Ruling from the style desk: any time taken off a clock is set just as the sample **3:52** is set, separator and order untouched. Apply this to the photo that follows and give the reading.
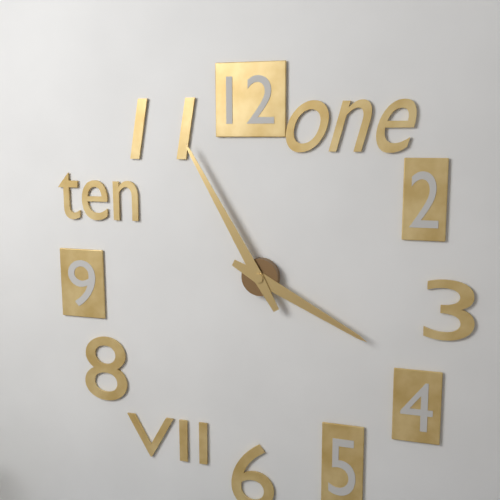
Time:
**3:55**
